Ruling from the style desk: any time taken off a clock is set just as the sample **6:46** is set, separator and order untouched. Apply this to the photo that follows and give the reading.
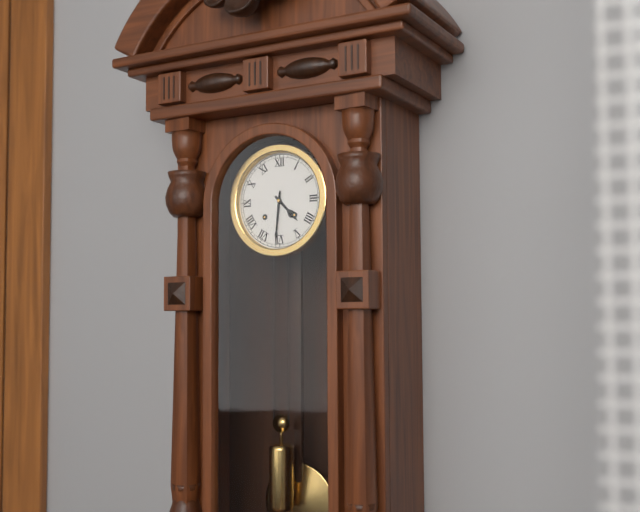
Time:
**4:31**
